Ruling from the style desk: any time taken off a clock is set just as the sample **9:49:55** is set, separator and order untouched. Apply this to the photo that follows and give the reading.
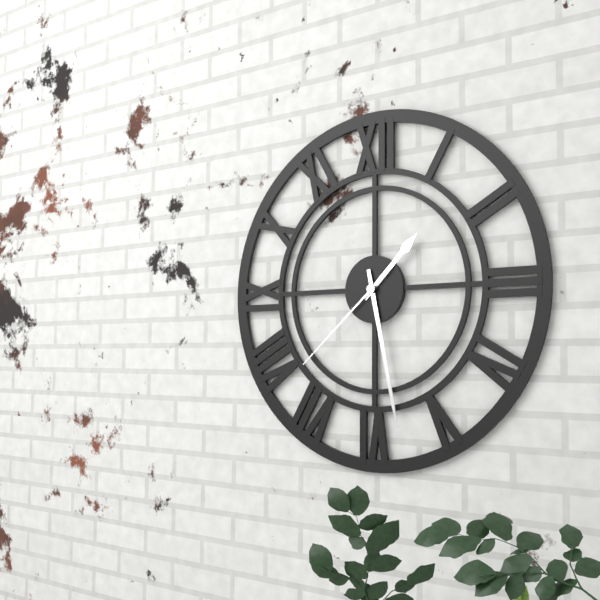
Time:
**1:28:38**
